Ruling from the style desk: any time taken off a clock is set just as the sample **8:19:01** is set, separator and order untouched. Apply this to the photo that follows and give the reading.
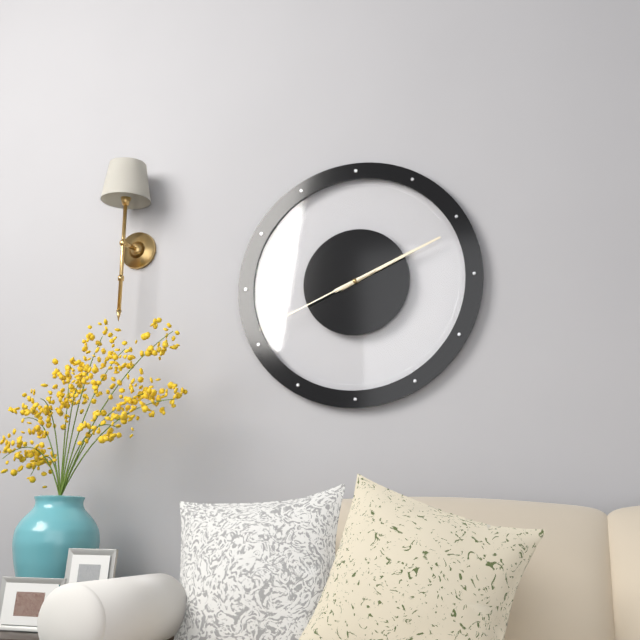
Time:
**2:11:41**
